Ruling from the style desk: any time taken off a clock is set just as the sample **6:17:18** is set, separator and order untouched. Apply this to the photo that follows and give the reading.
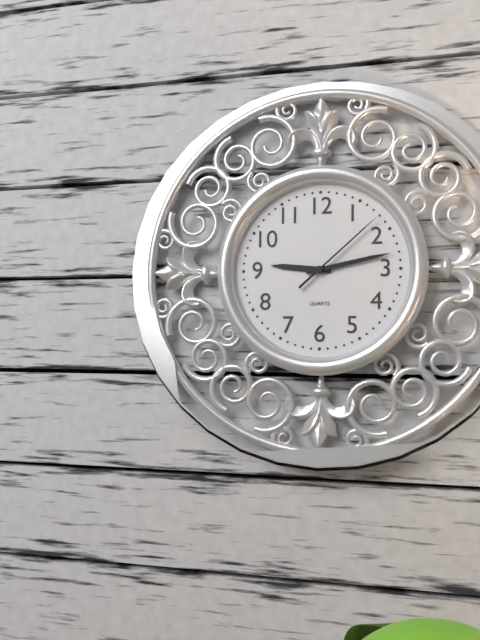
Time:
**9:13:08**
